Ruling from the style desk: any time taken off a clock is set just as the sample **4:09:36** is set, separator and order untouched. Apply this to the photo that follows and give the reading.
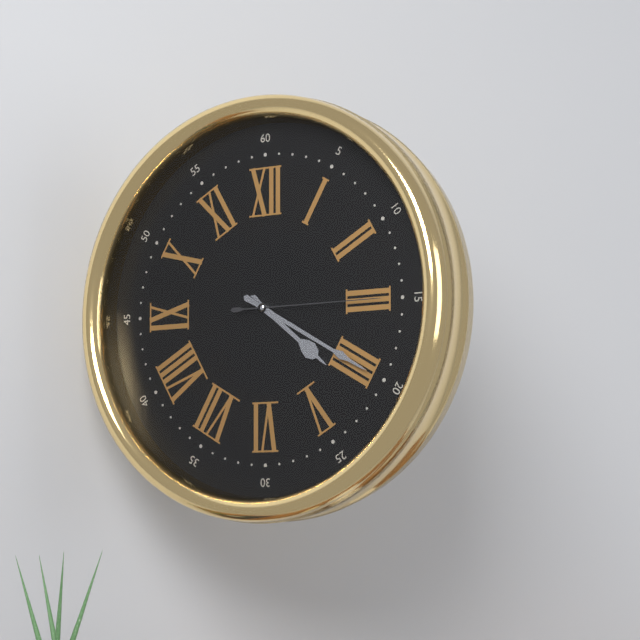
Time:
**4:20:15**
